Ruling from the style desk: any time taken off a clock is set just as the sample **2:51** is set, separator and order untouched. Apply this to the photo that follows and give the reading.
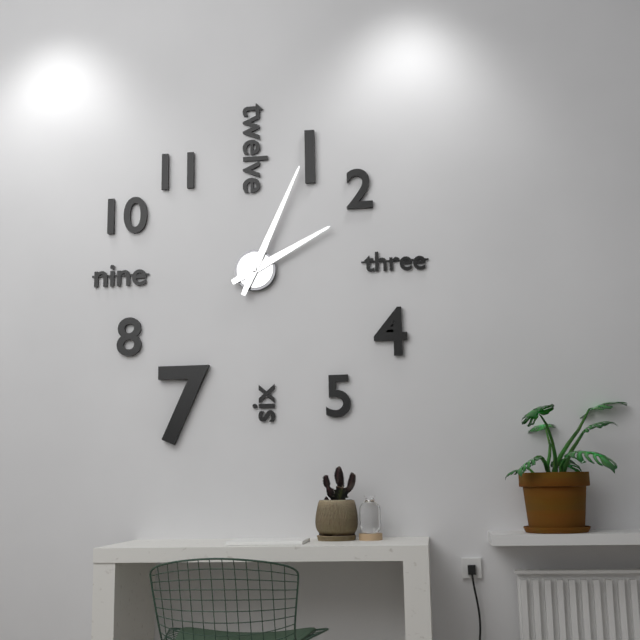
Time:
**2:04**
